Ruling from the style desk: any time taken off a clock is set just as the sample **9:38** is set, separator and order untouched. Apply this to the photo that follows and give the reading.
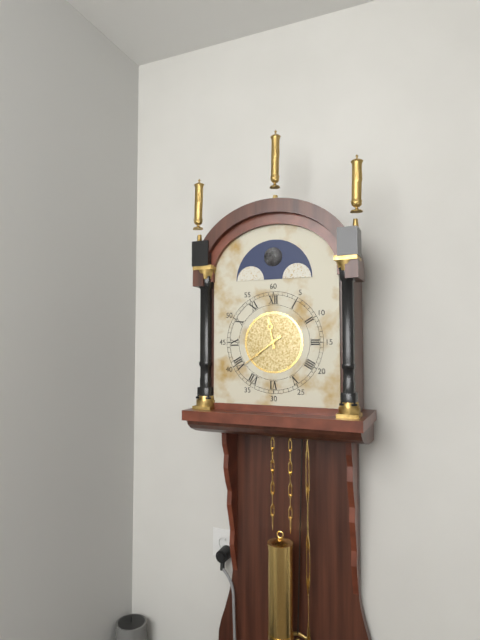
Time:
**11:39**
